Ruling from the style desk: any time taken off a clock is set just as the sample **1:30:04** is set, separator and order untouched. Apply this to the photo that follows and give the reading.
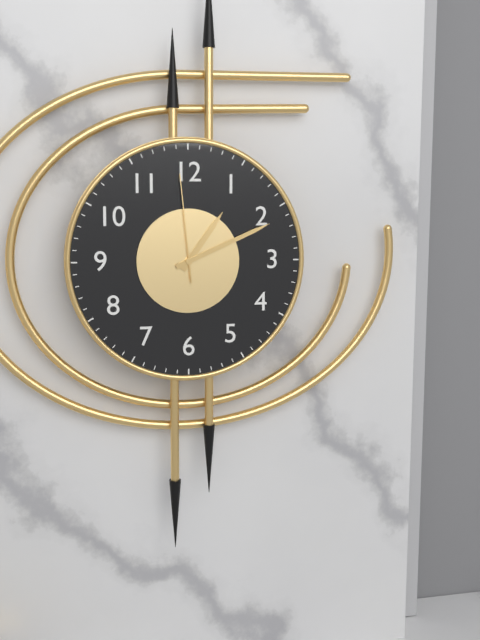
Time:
**1:11:59**
